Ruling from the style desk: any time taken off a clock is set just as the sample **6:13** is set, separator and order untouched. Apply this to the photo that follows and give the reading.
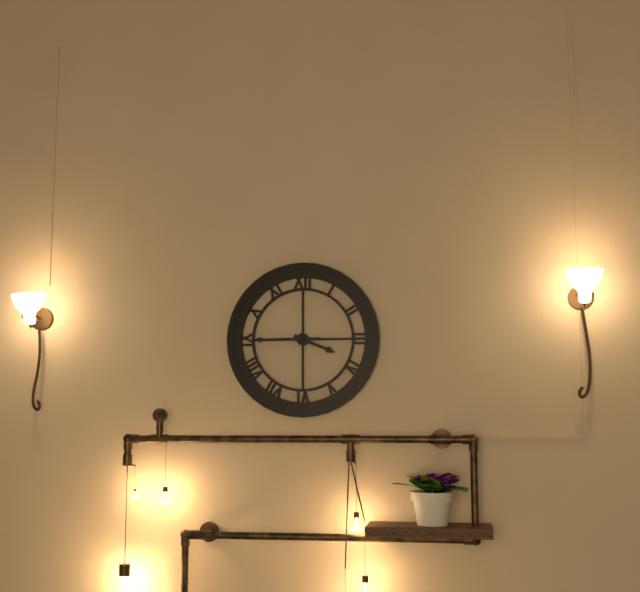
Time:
**3:45**
